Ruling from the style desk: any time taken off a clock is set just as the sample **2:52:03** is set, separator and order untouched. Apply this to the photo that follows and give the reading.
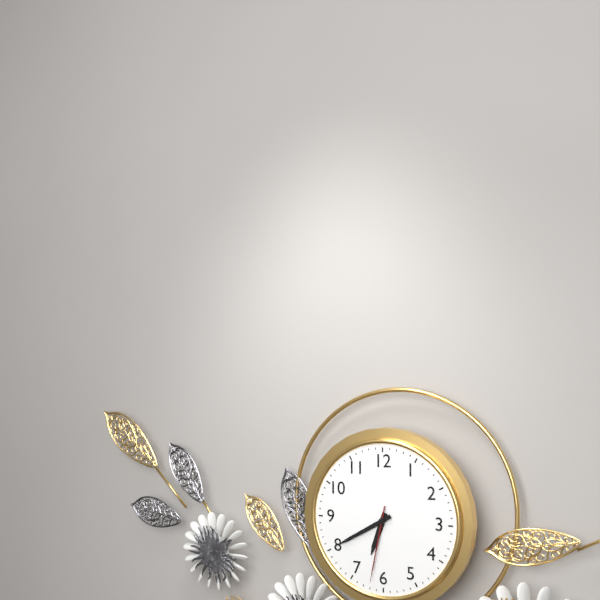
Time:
**6:40:32**
